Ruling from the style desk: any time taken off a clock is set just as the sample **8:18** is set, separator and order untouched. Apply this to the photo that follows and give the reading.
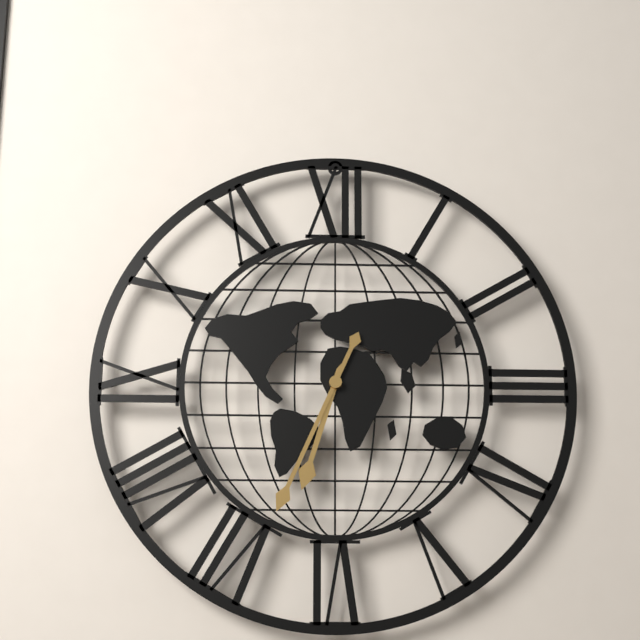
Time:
**6:34**
